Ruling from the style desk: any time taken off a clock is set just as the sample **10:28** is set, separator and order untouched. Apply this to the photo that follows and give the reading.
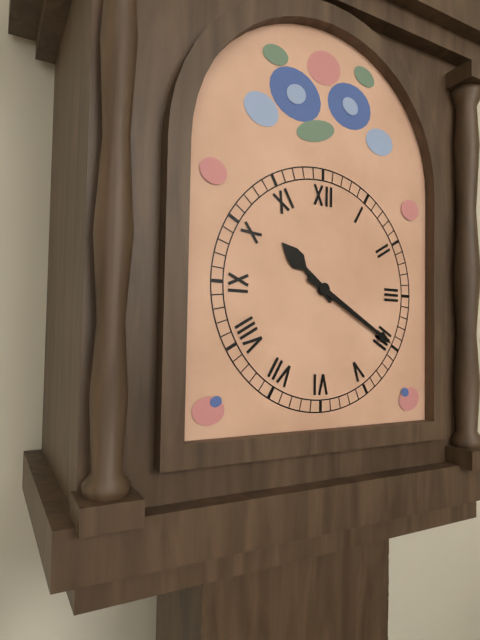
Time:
**10:20**
